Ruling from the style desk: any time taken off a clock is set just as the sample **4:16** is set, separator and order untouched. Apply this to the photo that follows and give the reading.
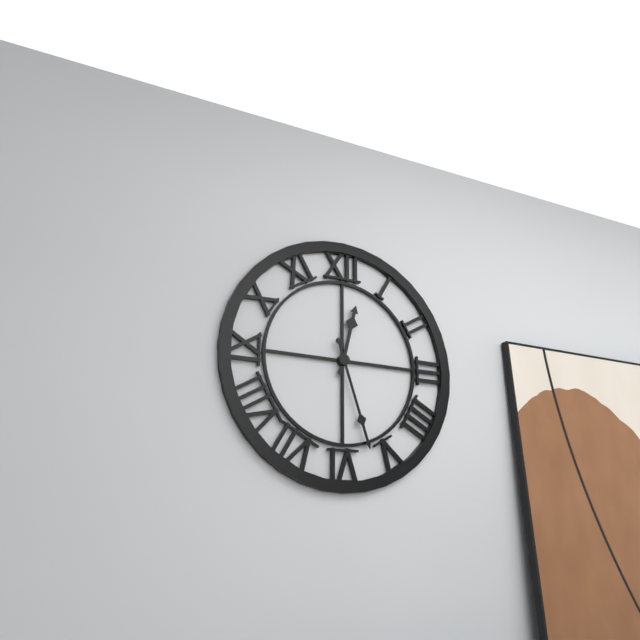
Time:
**12:27**
